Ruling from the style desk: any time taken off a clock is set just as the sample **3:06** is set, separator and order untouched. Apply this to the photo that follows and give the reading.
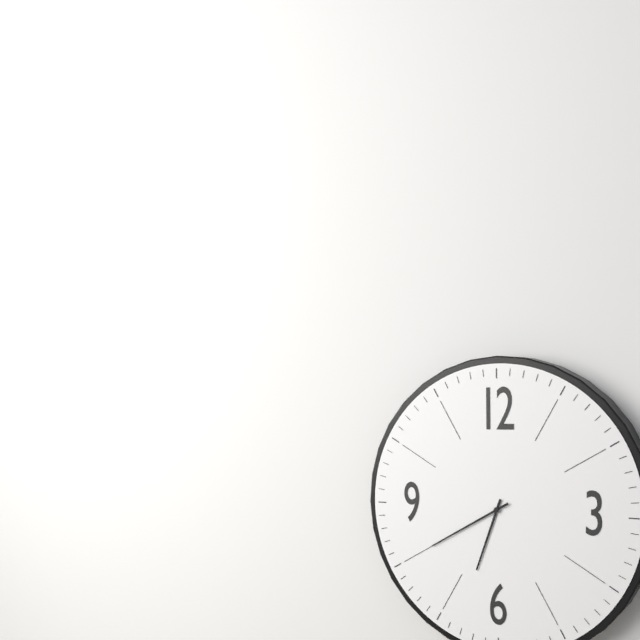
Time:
**6:40**
